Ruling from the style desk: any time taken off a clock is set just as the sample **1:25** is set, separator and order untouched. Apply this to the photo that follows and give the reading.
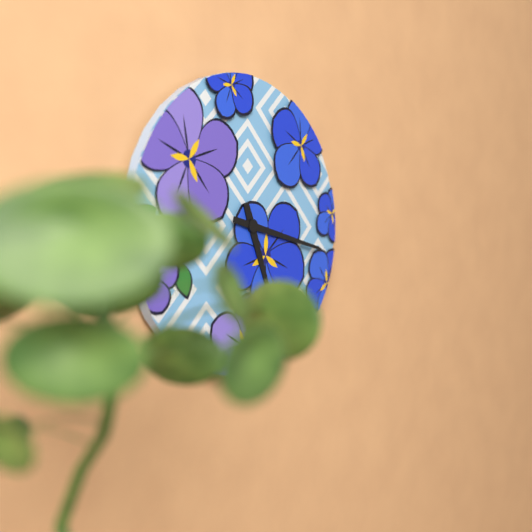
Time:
**5:17**
